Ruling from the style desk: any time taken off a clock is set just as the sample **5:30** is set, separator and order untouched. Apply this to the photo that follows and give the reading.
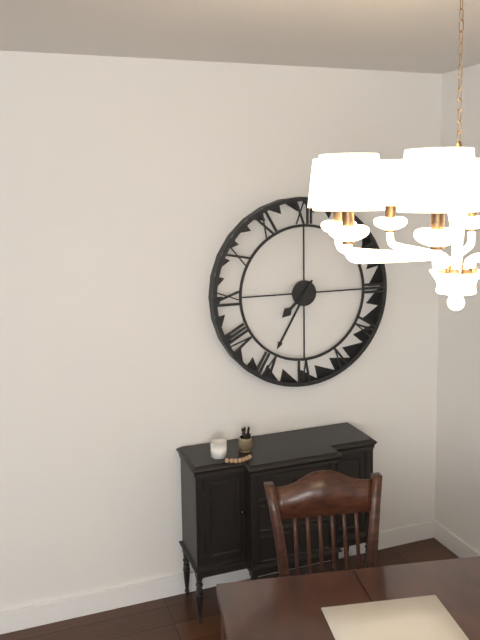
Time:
**7:35**
